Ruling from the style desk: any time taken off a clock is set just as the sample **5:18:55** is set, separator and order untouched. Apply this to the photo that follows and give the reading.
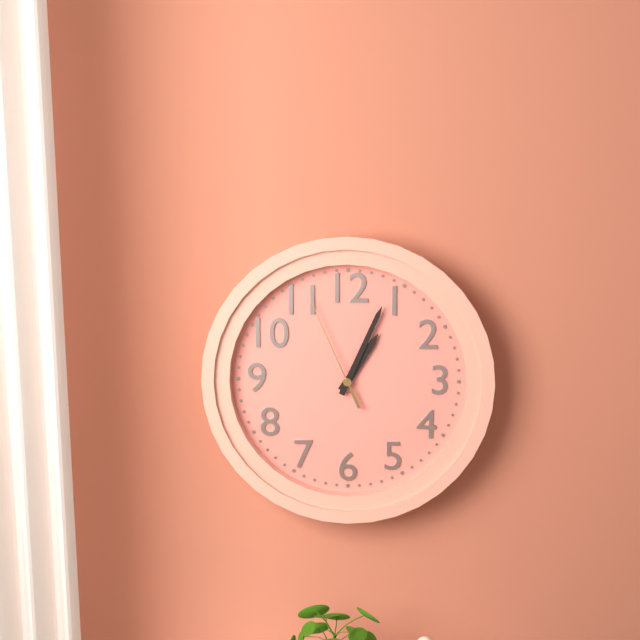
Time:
**1:04:56**
